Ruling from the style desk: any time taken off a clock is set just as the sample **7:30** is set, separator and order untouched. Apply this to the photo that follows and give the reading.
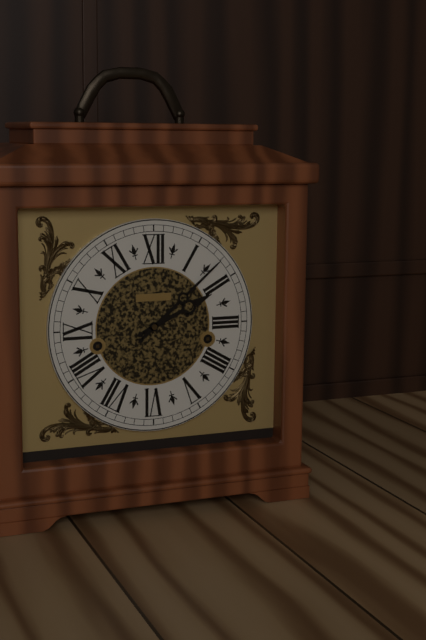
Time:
**2:08**
